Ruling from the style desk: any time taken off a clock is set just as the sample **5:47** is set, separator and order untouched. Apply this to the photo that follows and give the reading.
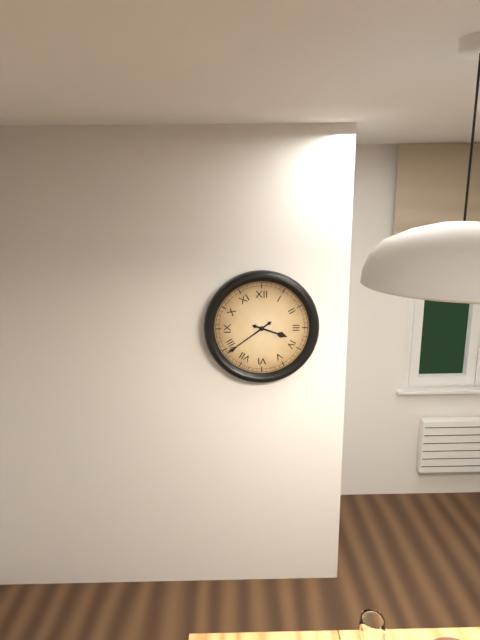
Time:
**3:39**
